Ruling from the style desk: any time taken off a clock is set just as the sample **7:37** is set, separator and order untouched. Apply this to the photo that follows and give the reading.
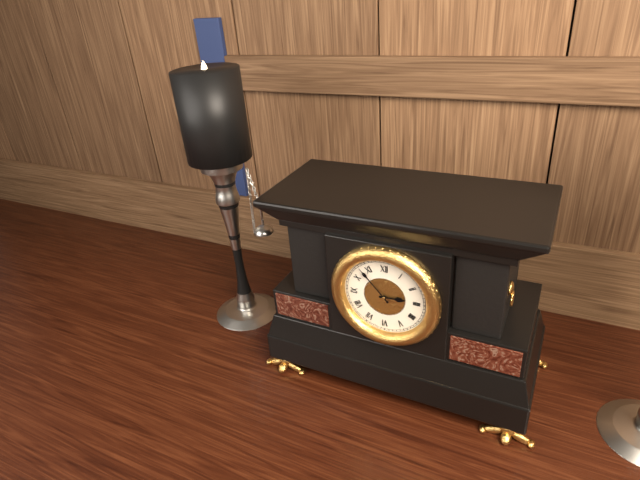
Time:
**2:53**
